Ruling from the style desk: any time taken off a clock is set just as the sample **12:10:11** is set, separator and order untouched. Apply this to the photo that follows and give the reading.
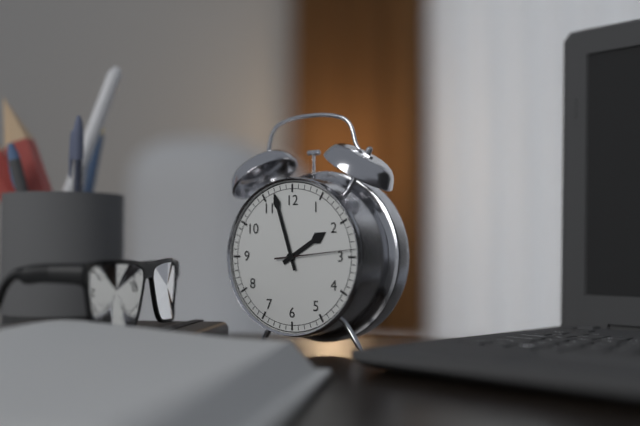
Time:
**1:57:14**
